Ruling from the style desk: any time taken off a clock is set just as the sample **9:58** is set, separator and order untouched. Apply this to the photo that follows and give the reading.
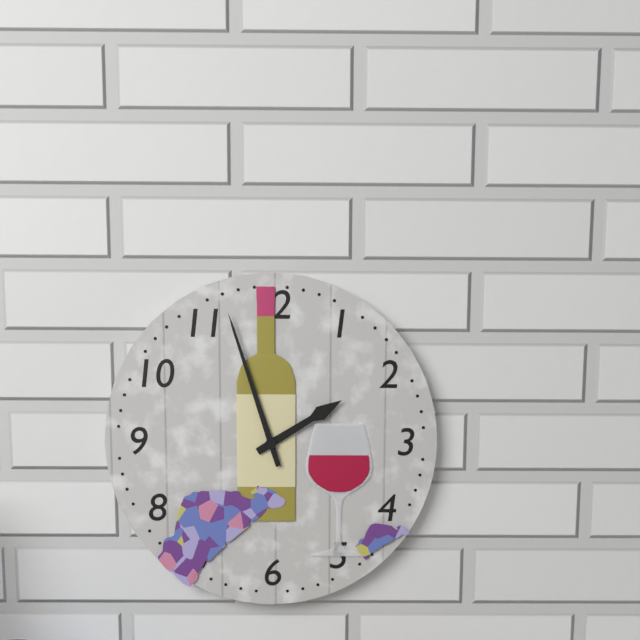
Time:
**1:57**
